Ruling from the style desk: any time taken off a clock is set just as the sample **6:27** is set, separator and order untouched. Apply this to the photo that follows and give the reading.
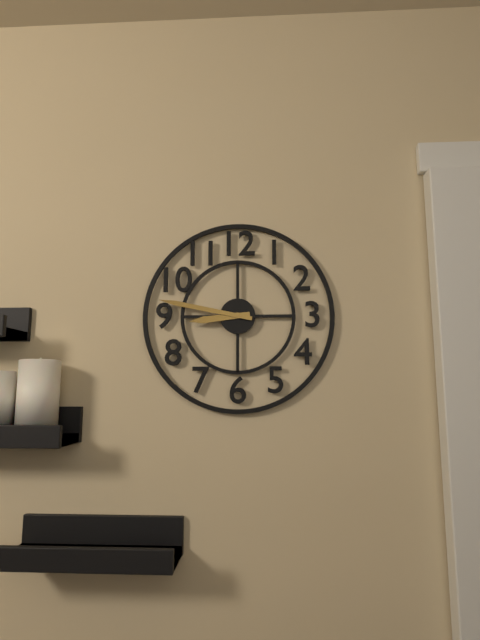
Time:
**8:47**
